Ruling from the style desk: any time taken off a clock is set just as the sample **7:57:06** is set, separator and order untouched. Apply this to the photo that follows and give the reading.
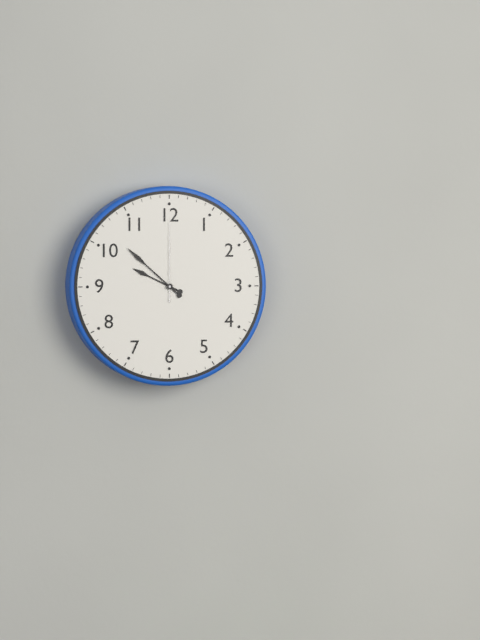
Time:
**9:52:00**
